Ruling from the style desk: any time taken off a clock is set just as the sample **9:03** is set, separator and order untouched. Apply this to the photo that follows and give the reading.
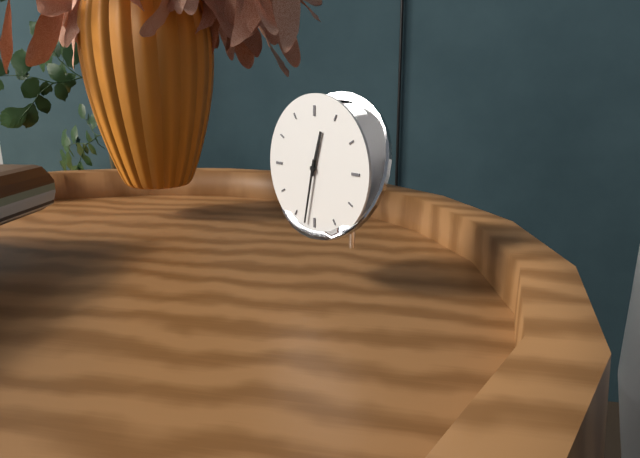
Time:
**12:32**
